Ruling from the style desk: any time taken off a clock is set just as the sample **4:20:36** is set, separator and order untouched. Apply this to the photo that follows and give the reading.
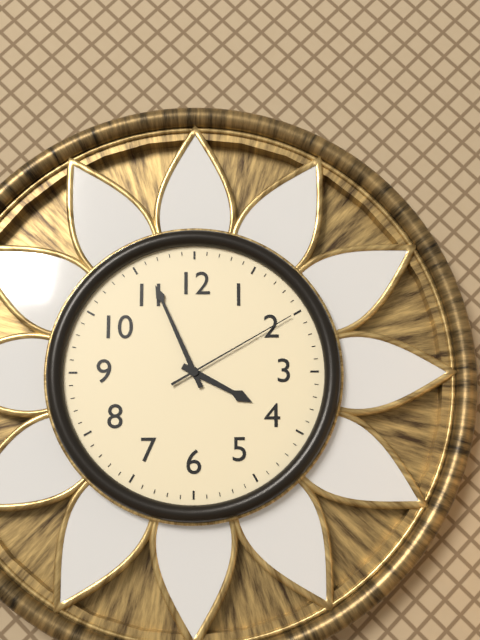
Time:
**3:56:10**
